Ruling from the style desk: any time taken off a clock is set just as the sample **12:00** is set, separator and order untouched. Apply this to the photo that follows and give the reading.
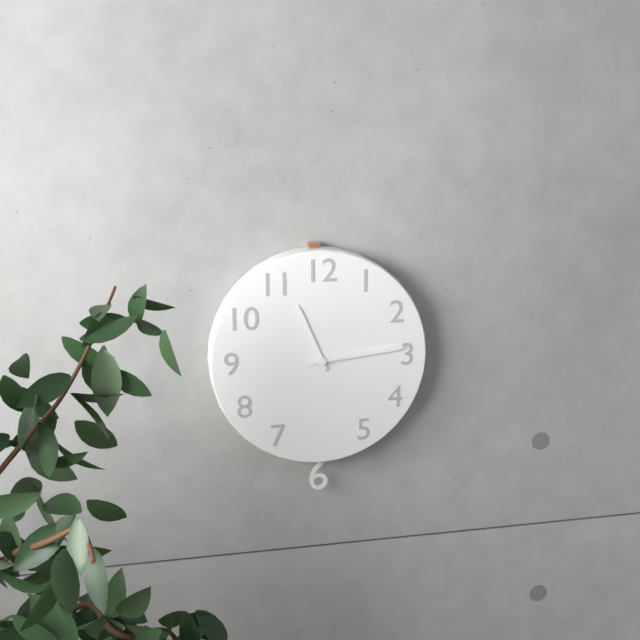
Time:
**11:14**
